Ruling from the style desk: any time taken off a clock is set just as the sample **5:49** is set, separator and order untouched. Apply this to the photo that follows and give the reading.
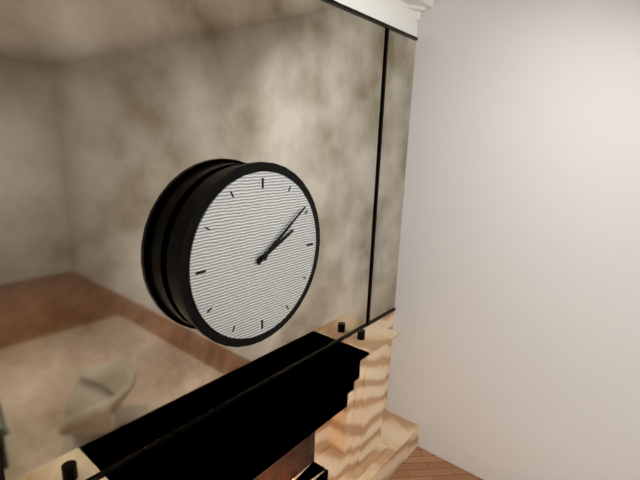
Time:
**2:09**
